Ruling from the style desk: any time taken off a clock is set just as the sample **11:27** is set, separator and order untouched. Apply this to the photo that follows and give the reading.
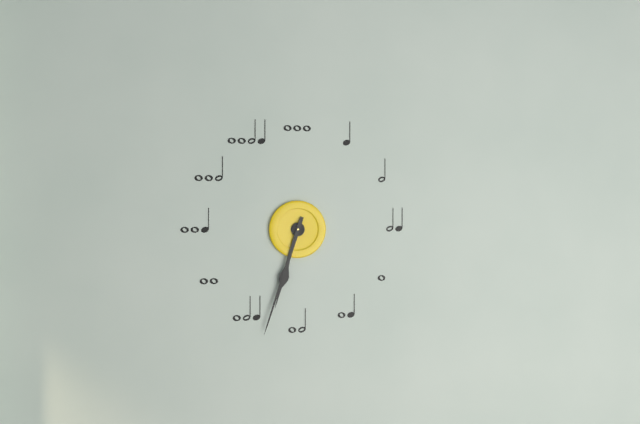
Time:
**6:33**
